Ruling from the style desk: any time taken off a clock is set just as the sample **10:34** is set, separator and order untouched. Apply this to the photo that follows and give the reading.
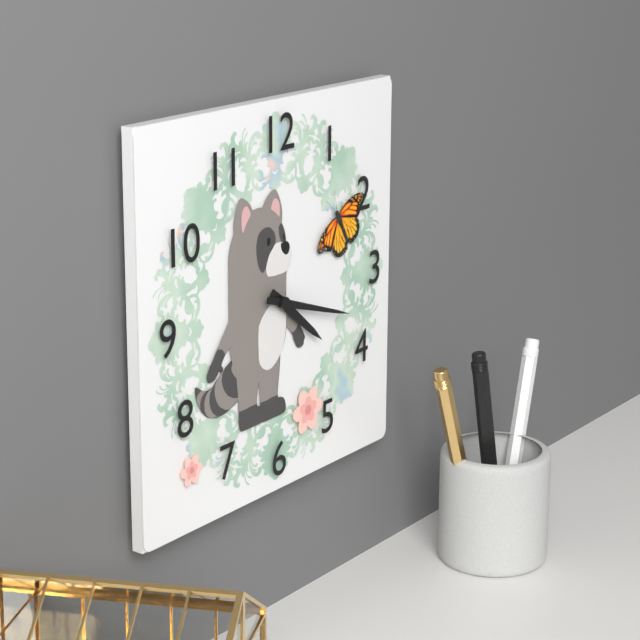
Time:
**4:18**
